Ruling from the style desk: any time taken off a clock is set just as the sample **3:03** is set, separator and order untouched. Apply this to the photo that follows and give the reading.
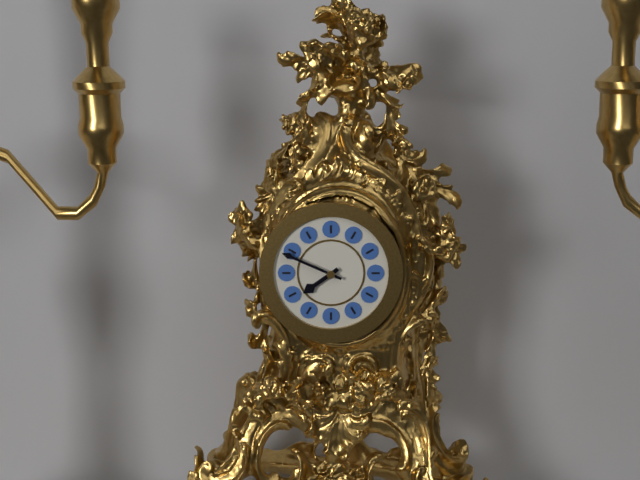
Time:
**7:49**
